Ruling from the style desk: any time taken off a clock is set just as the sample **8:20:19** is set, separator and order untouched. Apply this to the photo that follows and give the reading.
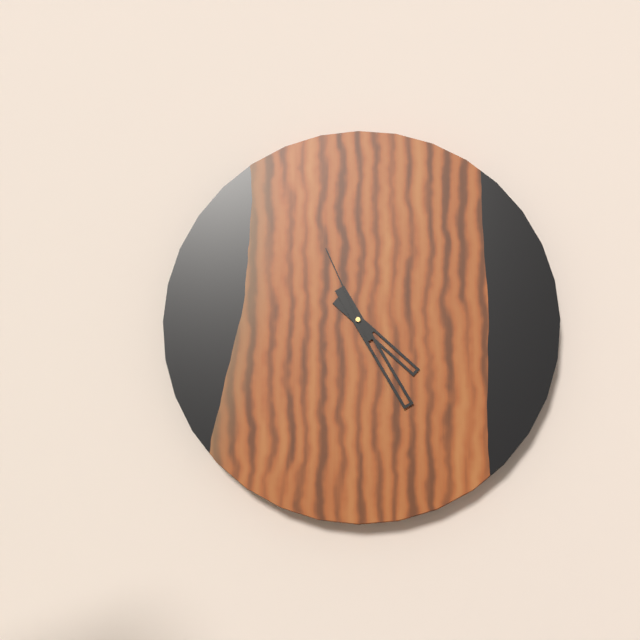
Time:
**4:25:56**
